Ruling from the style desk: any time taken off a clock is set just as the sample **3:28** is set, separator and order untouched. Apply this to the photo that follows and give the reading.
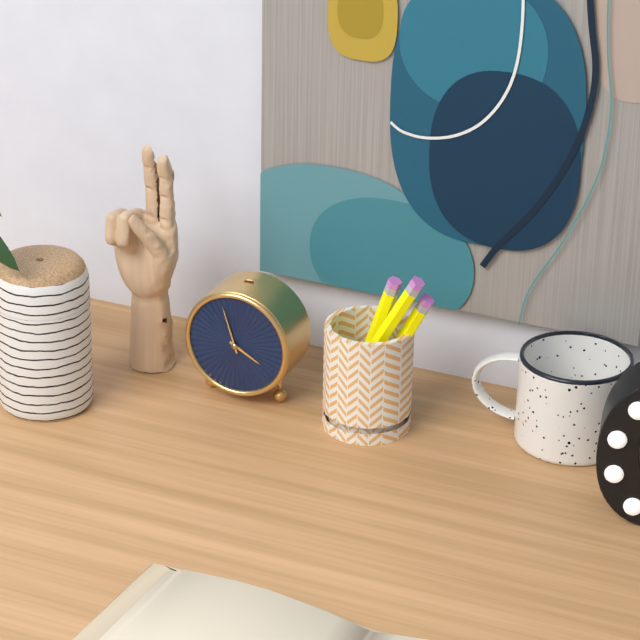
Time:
**3:57**
